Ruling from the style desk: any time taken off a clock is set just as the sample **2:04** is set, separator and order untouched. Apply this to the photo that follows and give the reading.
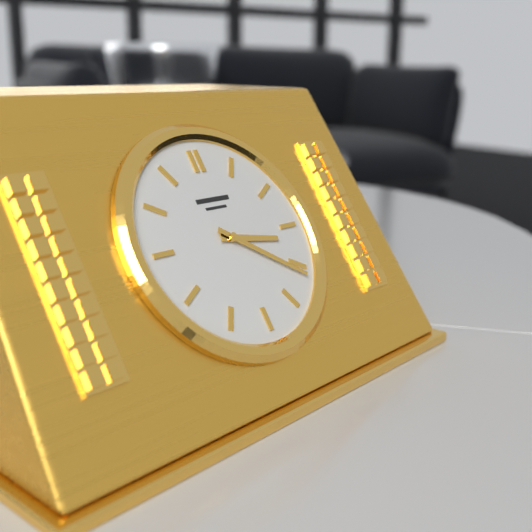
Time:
**3:21**
